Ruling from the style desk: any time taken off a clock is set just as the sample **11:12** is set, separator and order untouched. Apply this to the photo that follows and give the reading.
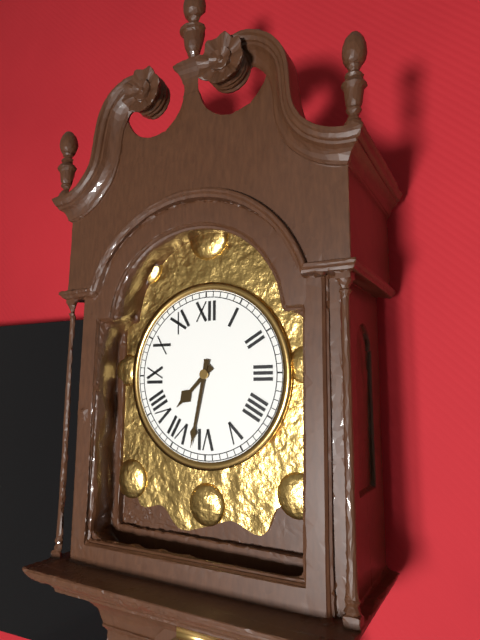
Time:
**7:32**
